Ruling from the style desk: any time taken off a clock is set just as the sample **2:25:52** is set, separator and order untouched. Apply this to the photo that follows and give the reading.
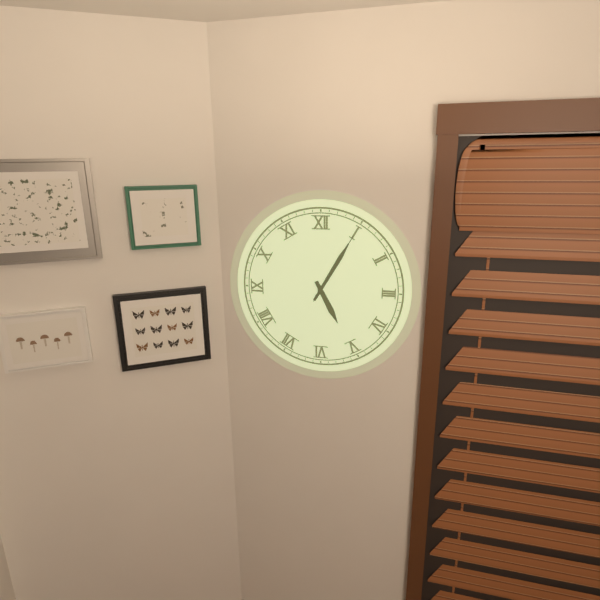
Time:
**5:05:05**
